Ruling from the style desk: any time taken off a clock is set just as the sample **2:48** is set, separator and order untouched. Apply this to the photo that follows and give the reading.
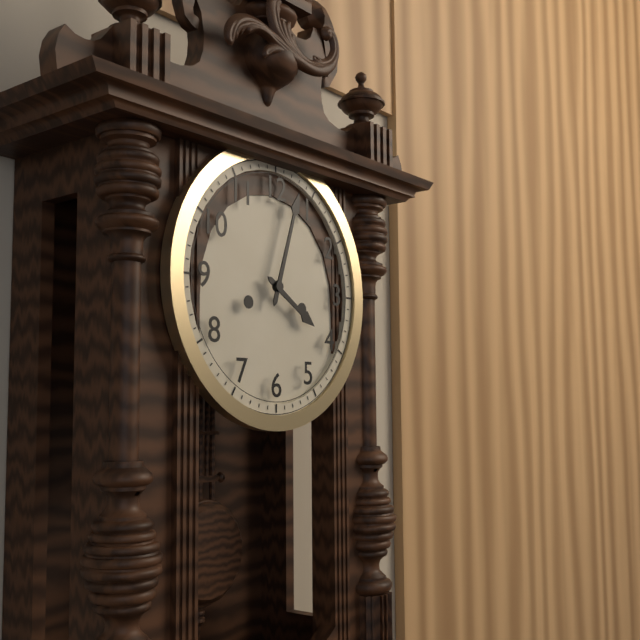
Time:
**4:03**
